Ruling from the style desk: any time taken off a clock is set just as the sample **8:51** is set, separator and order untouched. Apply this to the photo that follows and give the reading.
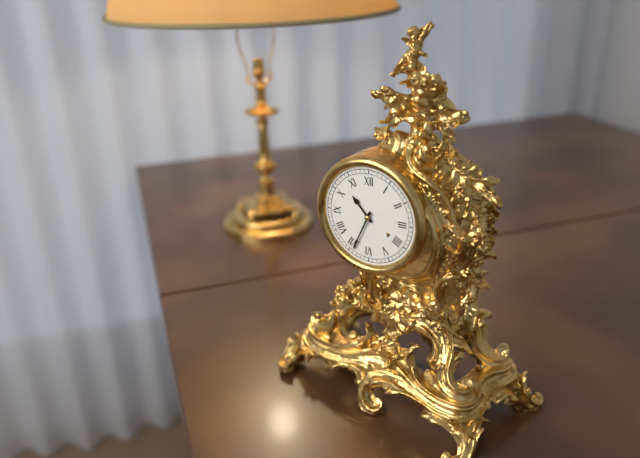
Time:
**10:34**
